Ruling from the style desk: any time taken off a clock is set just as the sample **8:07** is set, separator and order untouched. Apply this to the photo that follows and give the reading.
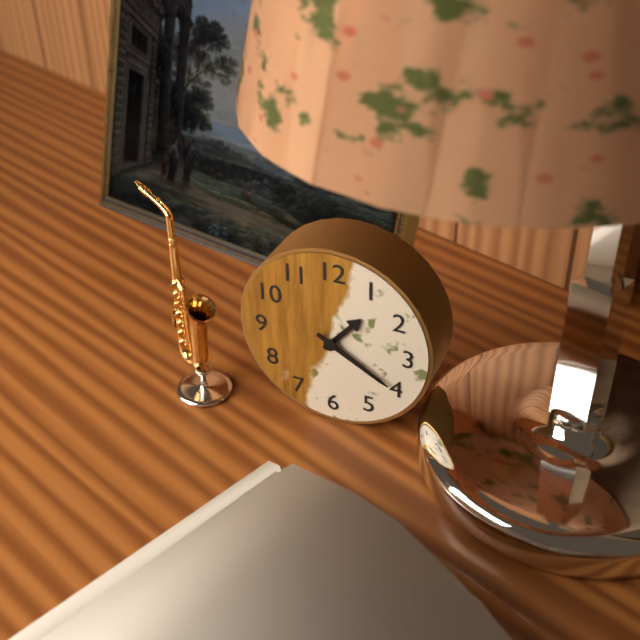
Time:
**1:20**
